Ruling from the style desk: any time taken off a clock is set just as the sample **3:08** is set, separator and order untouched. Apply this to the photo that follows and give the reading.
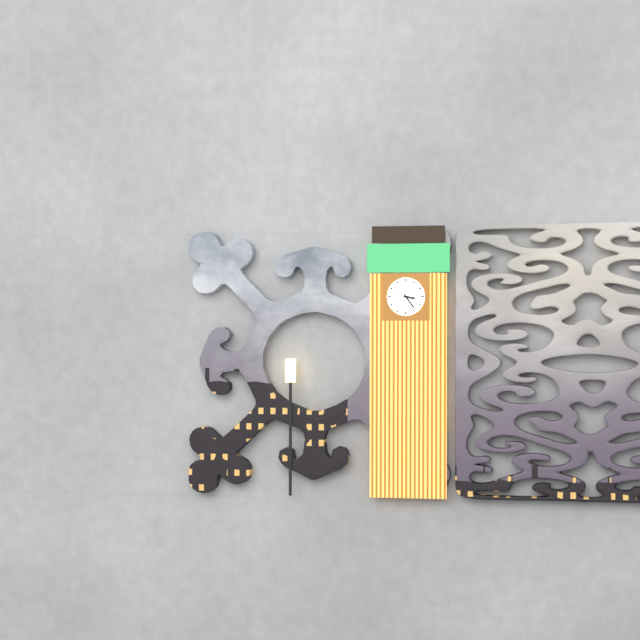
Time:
**3:24**
